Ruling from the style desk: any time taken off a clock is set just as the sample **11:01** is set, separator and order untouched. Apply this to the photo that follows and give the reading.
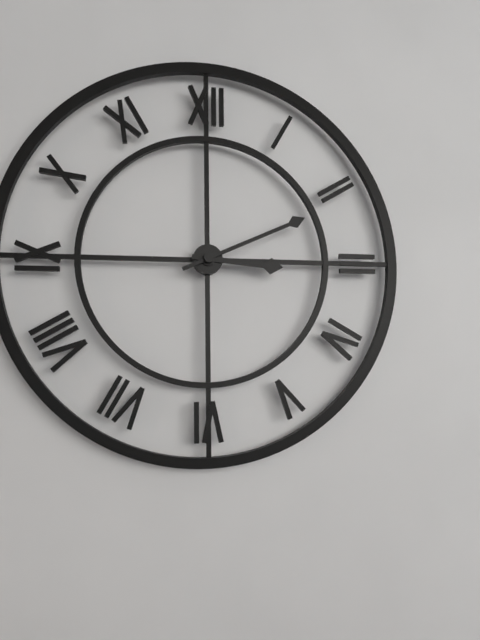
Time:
**3:11**
